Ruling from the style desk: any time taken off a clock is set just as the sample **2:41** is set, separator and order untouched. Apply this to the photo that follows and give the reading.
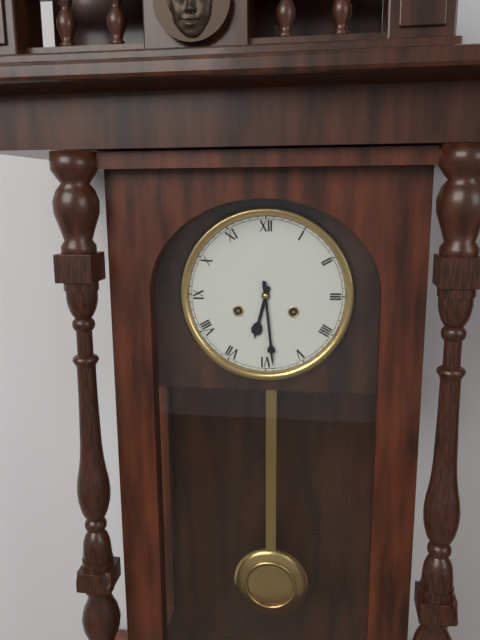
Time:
**6:29**
